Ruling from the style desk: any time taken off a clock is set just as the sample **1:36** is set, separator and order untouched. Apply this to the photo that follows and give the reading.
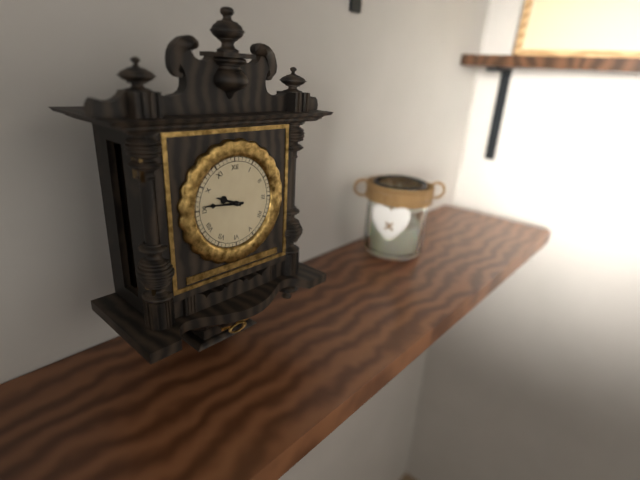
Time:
**9:46**
